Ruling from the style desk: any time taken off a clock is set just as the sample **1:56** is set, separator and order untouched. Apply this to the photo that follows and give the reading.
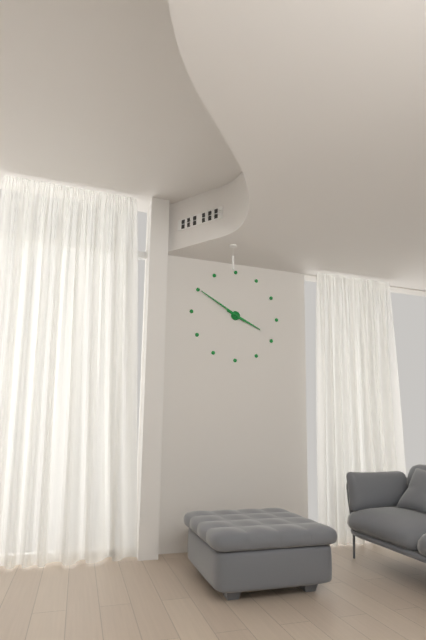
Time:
**3:50**
